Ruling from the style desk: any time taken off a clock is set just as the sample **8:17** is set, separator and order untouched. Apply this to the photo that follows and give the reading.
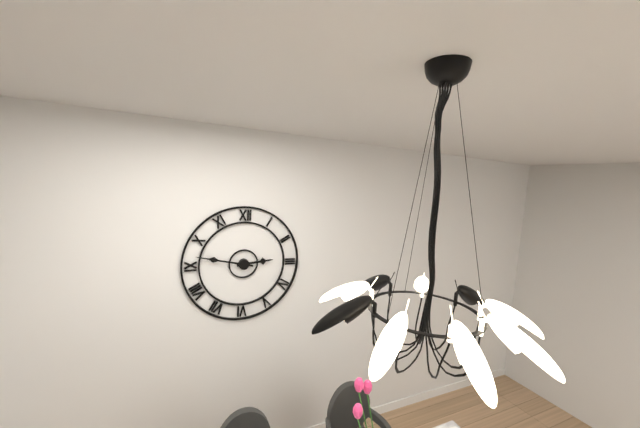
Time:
**2:47**
